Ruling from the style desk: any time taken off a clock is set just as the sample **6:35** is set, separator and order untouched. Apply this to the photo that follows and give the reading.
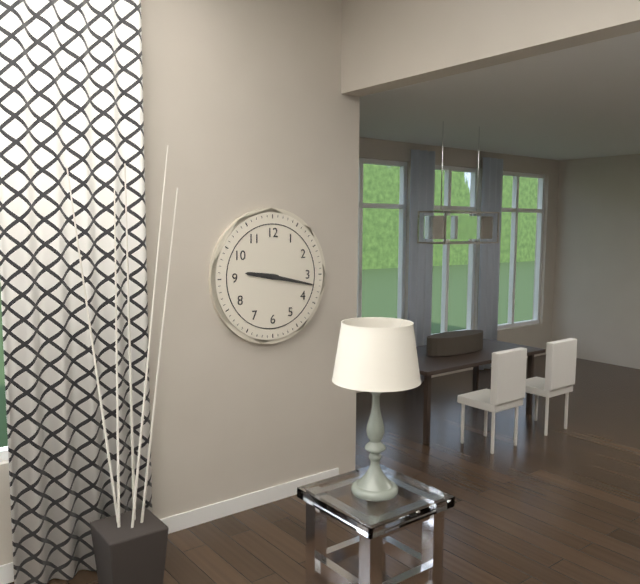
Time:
**9:17**
